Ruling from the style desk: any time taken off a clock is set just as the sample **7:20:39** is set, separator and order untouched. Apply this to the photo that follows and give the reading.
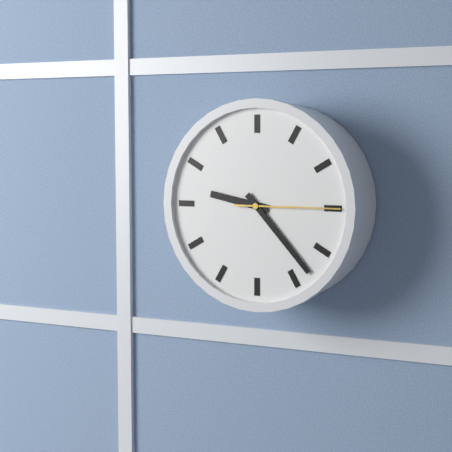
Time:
**9:23:15**
